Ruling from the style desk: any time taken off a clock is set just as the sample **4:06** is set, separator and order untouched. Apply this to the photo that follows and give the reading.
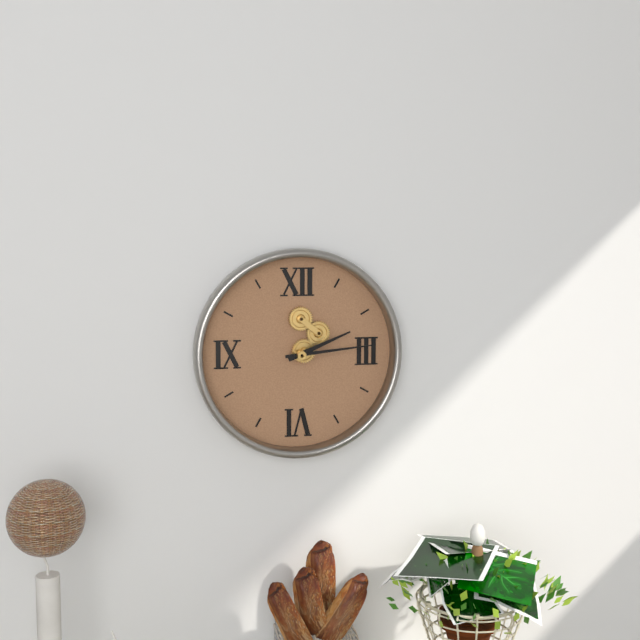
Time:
**2:14**
